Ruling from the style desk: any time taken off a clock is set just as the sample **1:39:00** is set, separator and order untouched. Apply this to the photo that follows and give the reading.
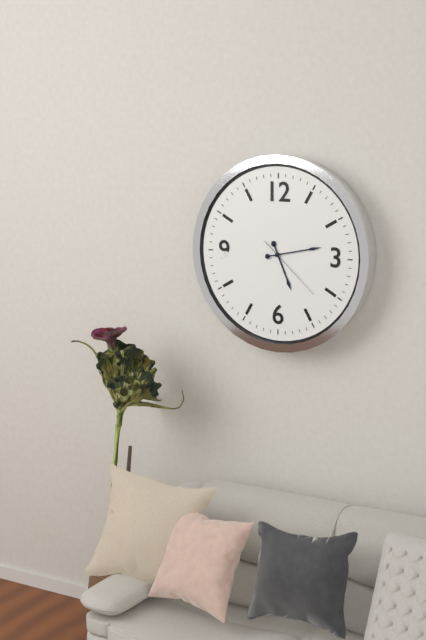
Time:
**5:13:22**
